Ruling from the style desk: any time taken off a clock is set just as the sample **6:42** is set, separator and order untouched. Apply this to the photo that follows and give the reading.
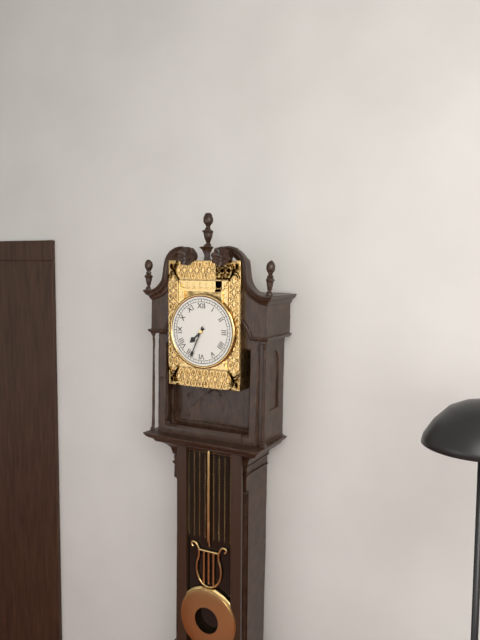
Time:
**7:34**
